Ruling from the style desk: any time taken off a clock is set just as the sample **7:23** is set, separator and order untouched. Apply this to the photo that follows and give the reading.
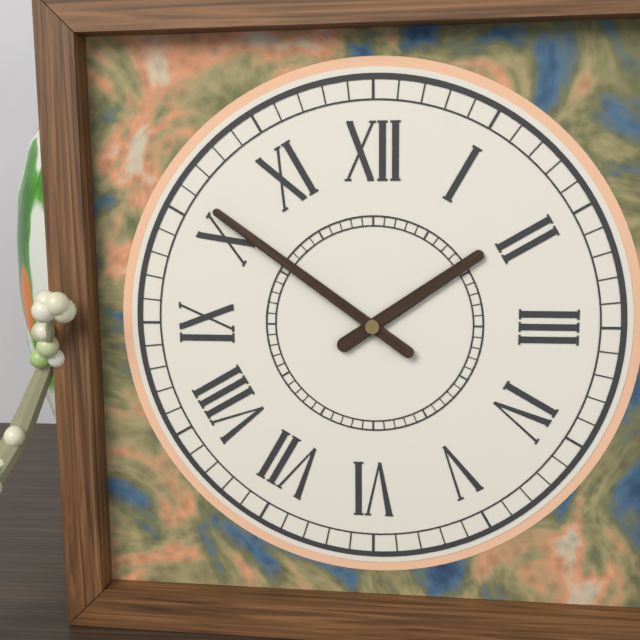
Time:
**1:51**
